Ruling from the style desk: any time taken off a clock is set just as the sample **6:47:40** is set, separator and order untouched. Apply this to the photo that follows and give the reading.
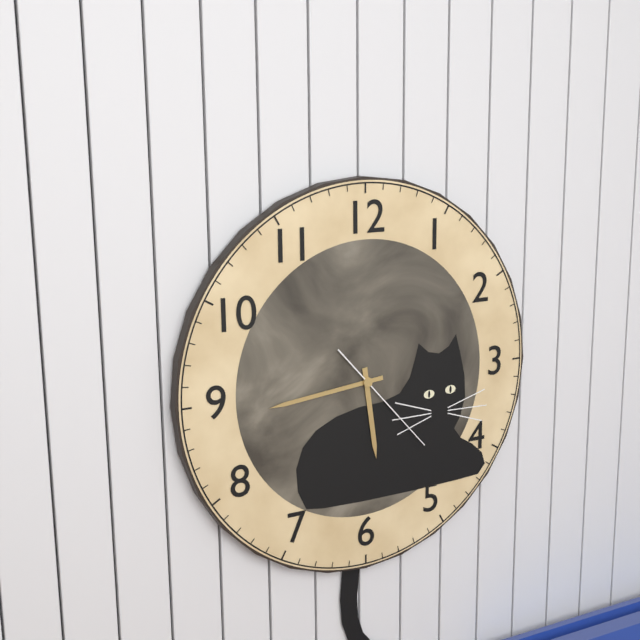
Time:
**5:44:23**
